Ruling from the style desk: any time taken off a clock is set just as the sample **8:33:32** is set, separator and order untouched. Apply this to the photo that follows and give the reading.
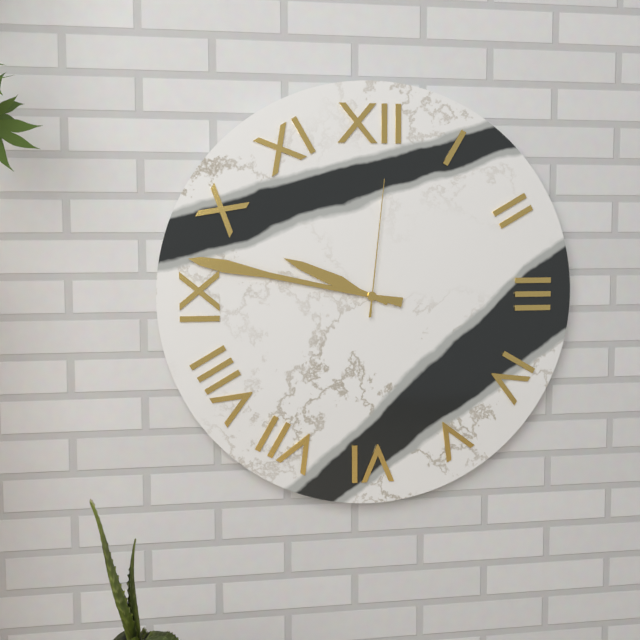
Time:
**9:47:01**
